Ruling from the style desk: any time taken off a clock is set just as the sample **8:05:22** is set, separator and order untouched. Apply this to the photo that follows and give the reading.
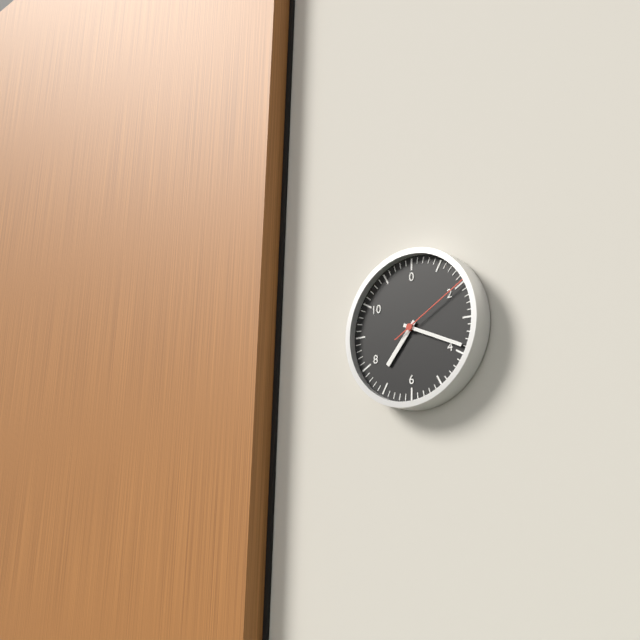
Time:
**7:19:10**
